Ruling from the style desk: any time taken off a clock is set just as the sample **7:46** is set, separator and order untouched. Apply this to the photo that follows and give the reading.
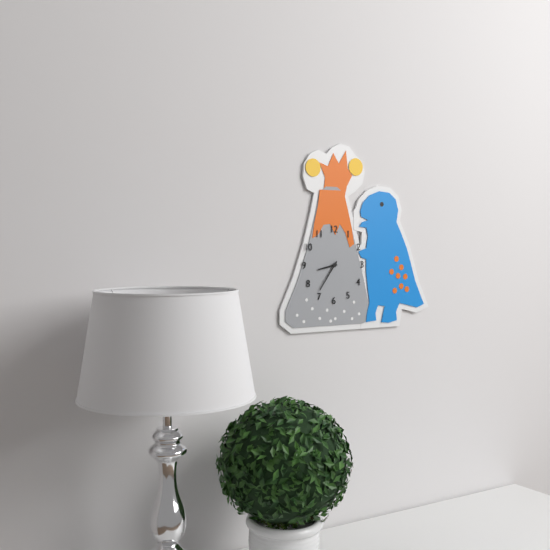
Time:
**8:36**
